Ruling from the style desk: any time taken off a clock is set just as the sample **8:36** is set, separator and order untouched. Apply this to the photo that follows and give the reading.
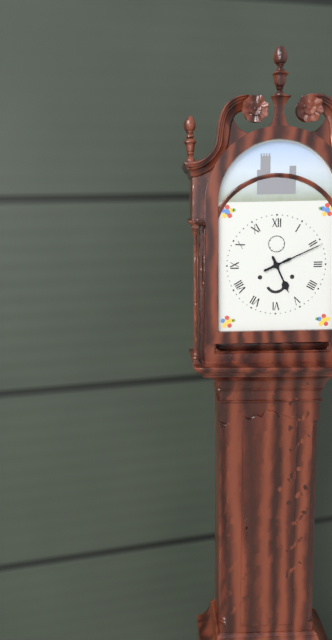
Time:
**5:11**
